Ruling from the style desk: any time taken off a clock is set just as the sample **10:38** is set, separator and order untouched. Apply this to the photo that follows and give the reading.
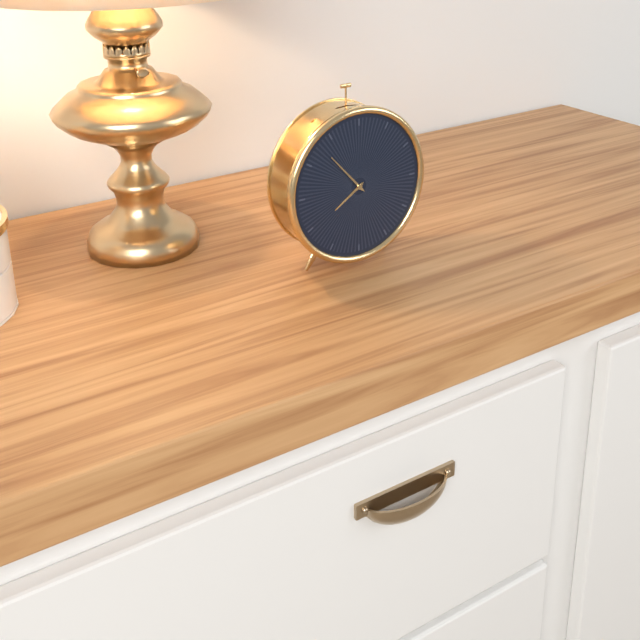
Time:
**7:53**
